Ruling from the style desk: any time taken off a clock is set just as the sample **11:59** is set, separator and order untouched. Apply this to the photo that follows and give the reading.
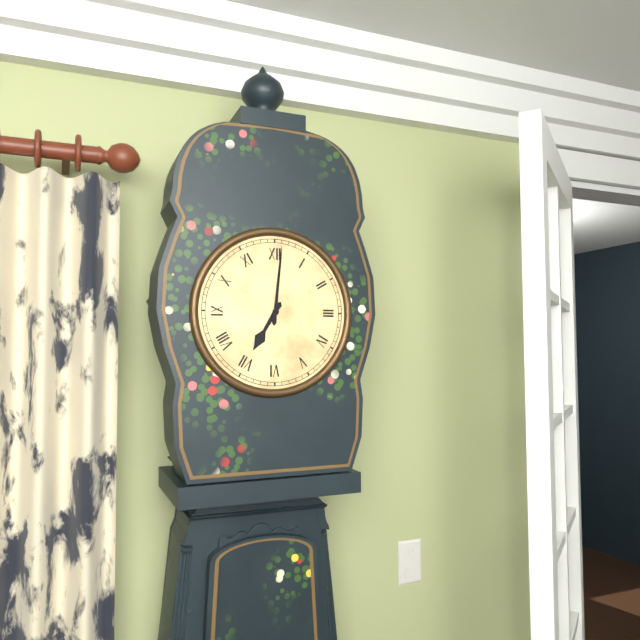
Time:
**7:01**
